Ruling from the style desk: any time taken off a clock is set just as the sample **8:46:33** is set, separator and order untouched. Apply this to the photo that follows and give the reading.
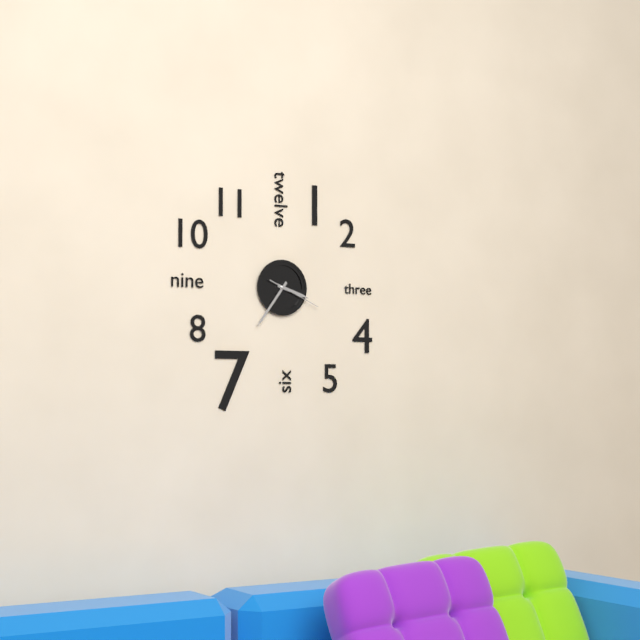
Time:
**3:36:19**
